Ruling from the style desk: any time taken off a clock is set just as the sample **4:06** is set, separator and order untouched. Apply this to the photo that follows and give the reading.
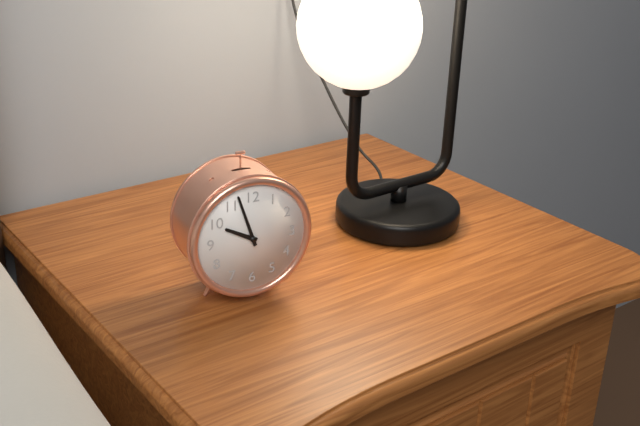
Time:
**9:57**
